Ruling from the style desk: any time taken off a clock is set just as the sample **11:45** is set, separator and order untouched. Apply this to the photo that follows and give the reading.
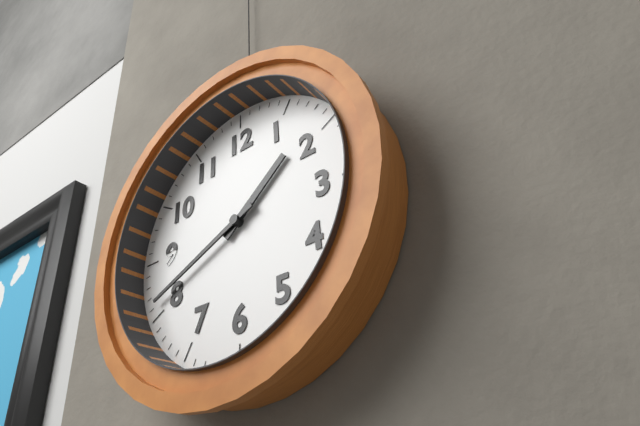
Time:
**1:41**
